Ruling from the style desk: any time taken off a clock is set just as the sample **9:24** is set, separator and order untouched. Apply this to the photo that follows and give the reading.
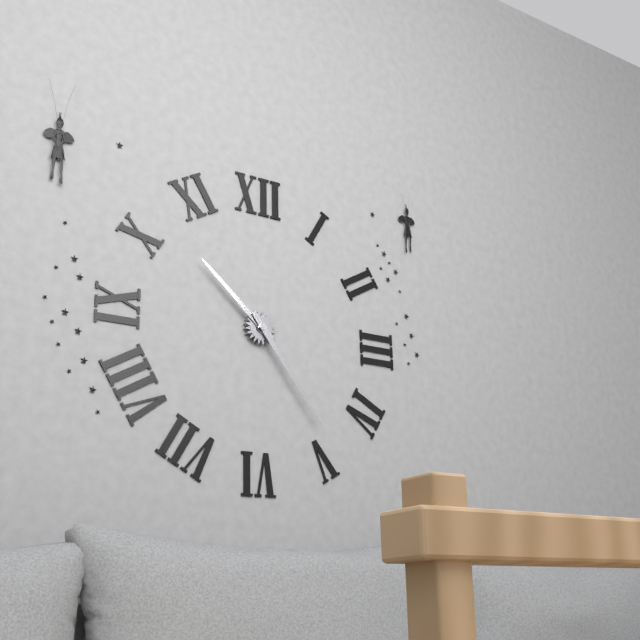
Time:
**10:24**
